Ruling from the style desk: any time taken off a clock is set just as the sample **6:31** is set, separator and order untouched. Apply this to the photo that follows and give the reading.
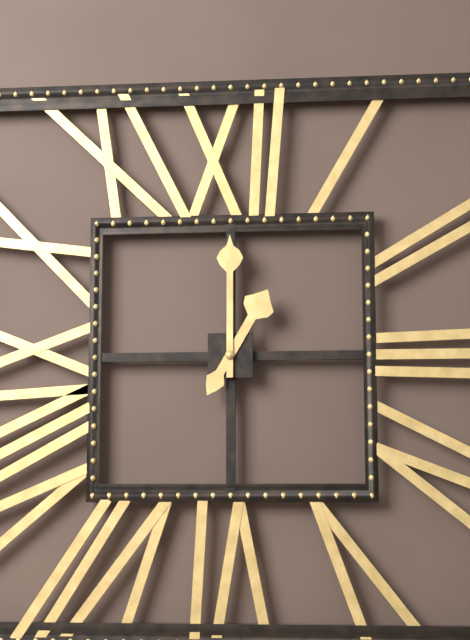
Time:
**1:00**
